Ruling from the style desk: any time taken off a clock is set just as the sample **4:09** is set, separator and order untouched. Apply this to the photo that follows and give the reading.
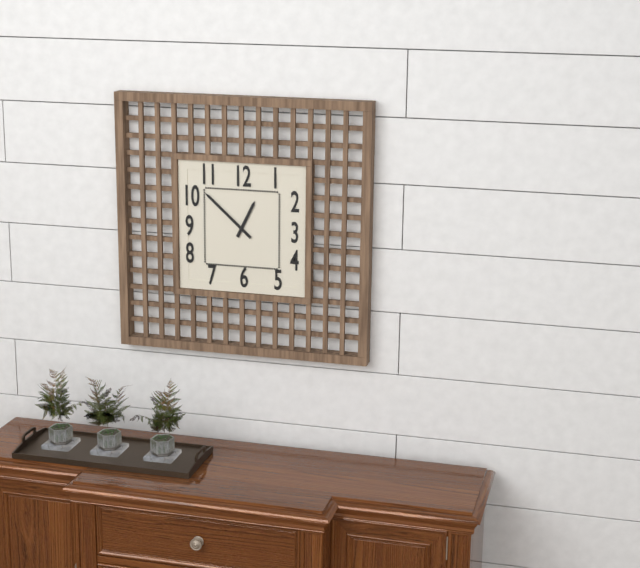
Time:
**12:52**
